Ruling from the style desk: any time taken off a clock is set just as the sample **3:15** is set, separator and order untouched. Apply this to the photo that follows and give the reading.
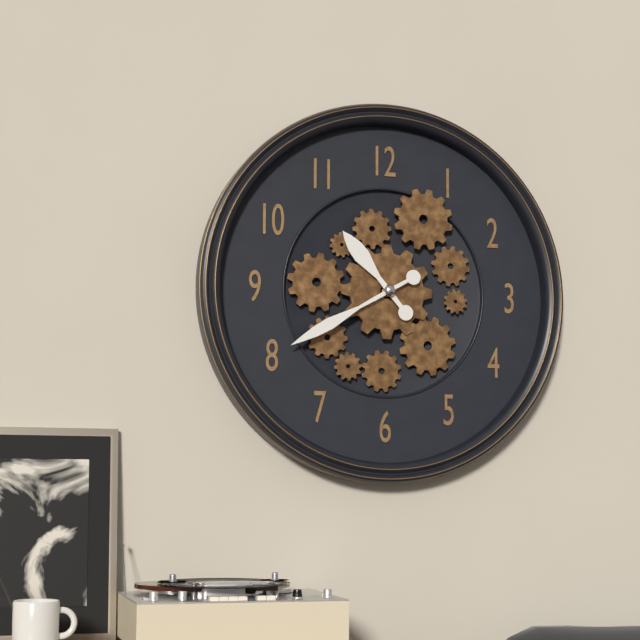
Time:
**10:40**
